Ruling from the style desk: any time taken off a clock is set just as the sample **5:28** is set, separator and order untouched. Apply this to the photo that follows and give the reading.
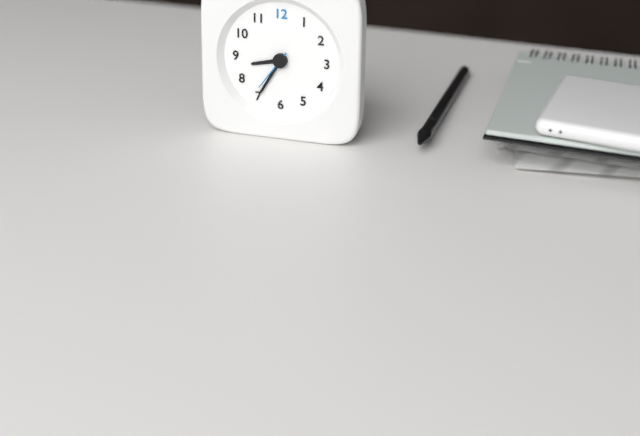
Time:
**8:35**
